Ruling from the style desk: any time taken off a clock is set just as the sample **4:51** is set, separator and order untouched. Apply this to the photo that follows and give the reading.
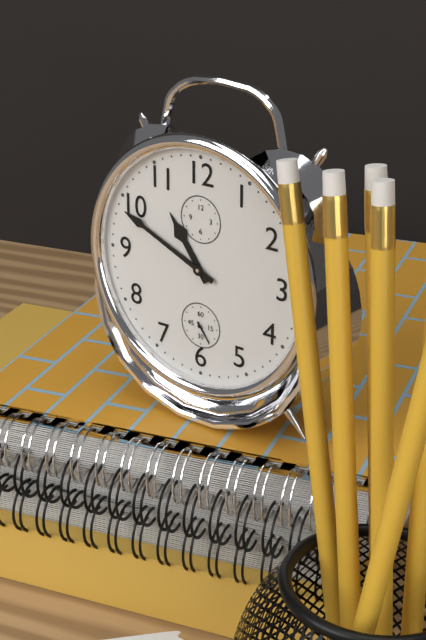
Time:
**10:49**
